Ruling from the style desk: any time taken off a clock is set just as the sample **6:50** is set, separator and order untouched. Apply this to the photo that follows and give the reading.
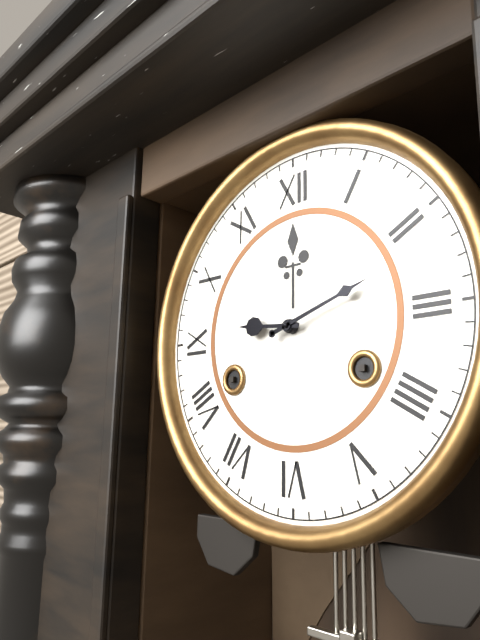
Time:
**9:12**
